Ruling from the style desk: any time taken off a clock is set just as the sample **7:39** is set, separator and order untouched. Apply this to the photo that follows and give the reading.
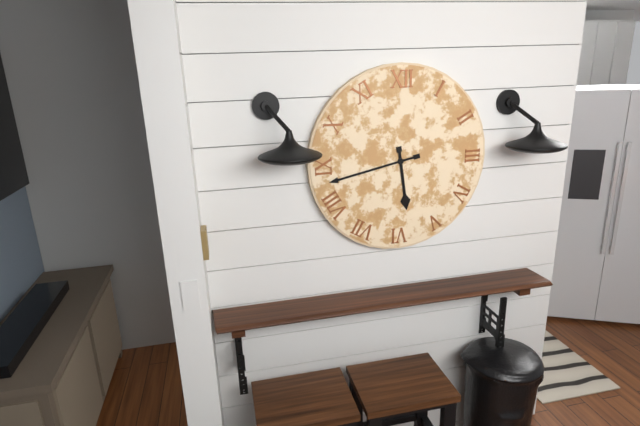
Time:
**5:43**
